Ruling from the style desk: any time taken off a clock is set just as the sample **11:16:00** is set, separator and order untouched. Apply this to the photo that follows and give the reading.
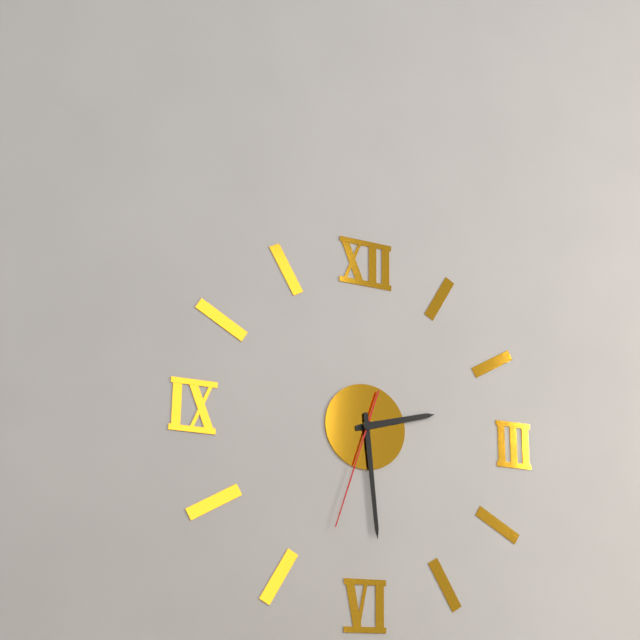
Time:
**2:29:33**
